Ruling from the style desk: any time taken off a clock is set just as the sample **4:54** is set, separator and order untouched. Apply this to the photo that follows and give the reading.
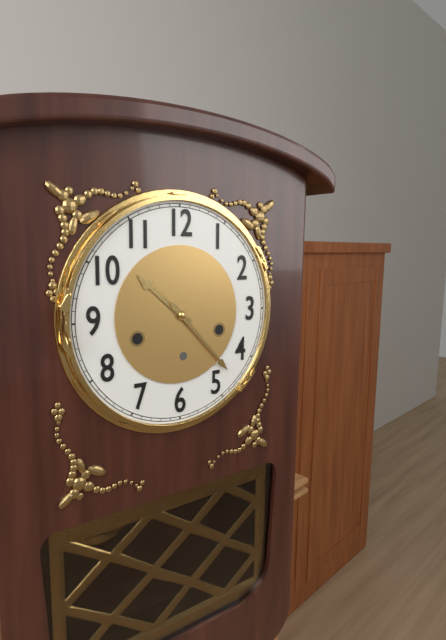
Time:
**10:23**
